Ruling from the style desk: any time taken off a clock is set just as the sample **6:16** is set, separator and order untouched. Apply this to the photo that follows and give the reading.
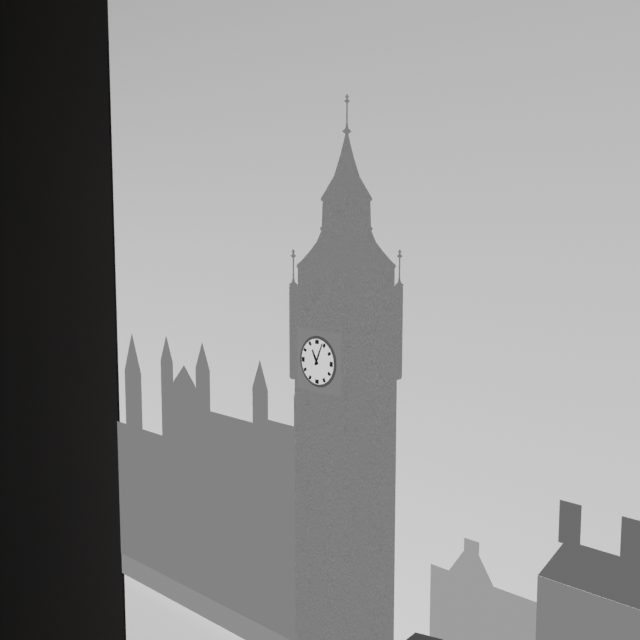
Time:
**11:04**
